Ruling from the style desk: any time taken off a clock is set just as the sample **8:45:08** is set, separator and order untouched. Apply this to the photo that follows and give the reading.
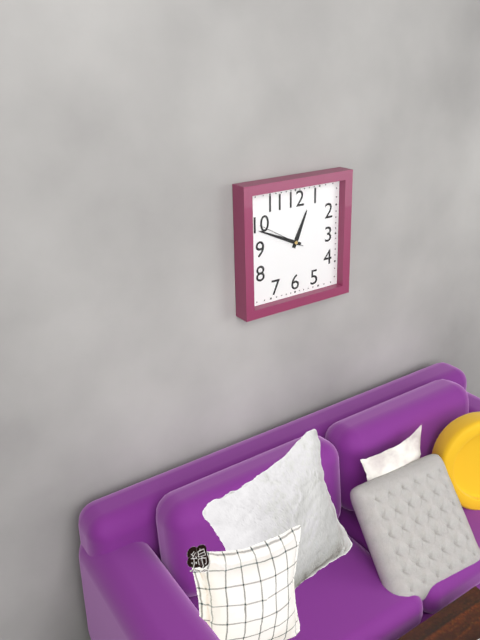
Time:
**12:49:50**
